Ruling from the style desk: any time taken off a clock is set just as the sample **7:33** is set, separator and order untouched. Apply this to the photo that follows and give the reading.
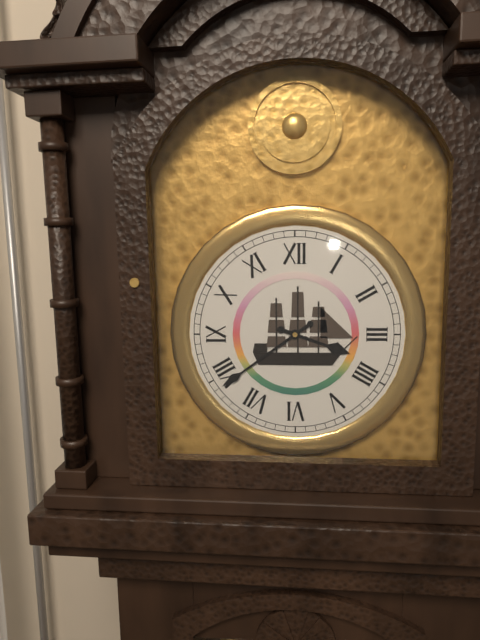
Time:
**3:39**
